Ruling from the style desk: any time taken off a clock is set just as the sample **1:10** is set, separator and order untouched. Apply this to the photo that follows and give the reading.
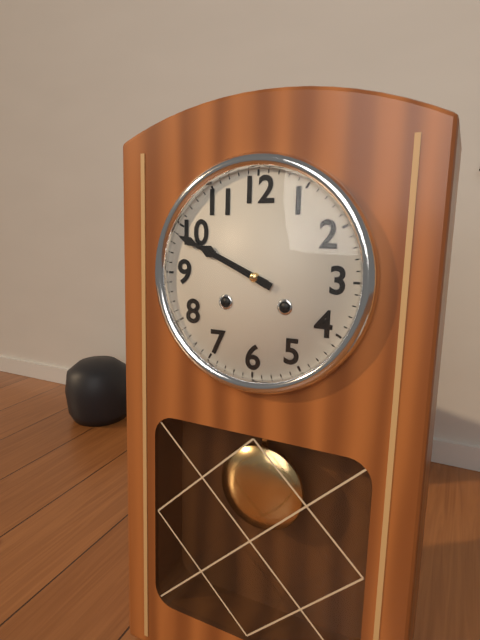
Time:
**9:49**
